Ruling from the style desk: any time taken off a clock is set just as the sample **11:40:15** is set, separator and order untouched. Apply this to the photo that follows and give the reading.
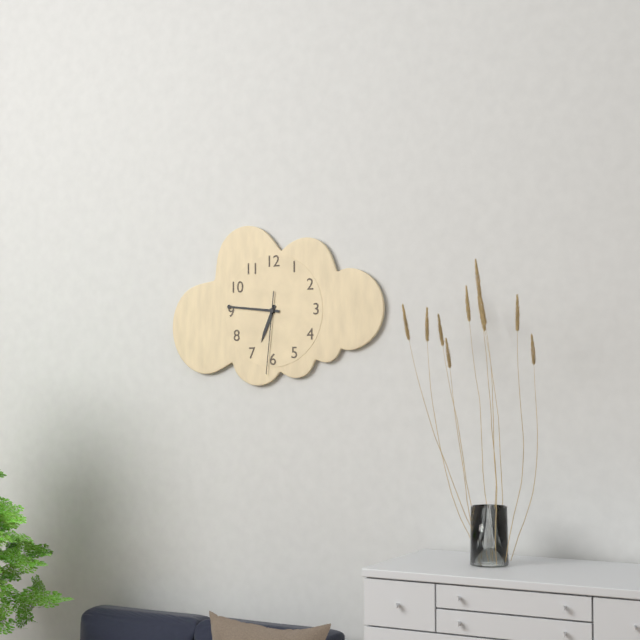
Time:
**6:46:31**
